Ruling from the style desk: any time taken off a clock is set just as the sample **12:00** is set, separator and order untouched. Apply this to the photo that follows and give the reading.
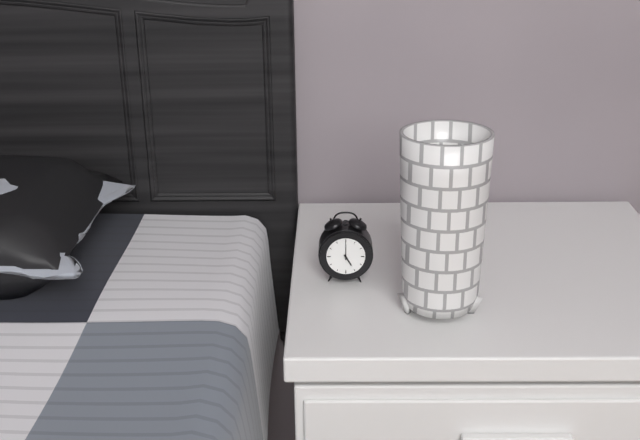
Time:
**5:00**
